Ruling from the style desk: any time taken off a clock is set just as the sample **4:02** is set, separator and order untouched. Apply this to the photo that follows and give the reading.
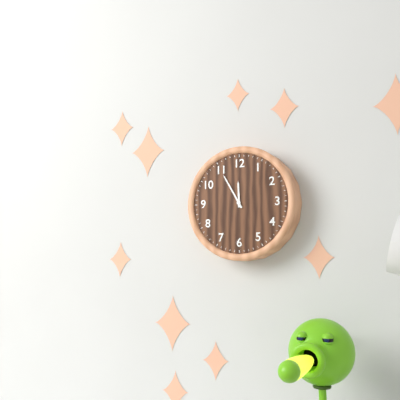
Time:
**11:55**
